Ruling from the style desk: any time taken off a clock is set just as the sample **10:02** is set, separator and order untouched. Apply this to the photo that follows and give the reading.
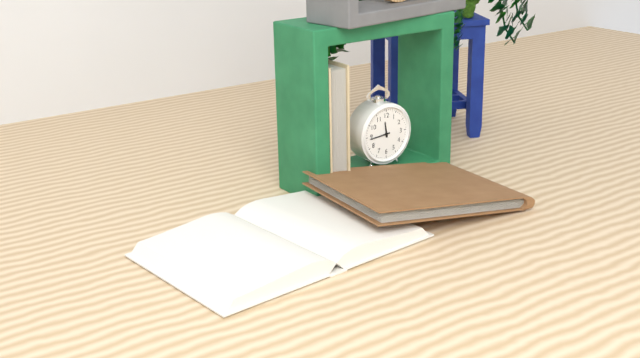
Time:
**11:44**
